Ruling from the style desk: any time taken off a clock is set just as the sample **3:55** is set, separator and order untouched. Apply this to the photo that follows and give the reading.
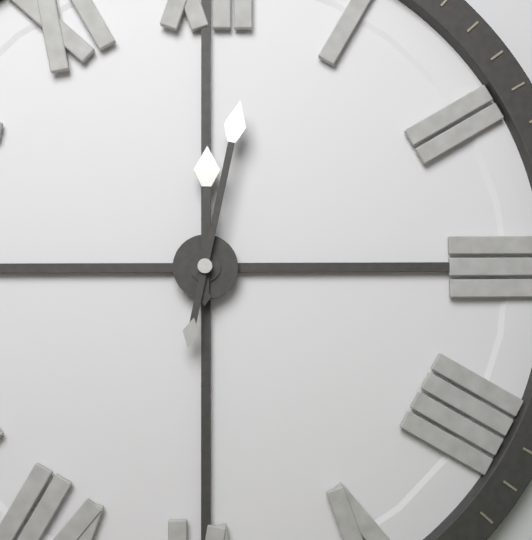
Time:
**12:02**
